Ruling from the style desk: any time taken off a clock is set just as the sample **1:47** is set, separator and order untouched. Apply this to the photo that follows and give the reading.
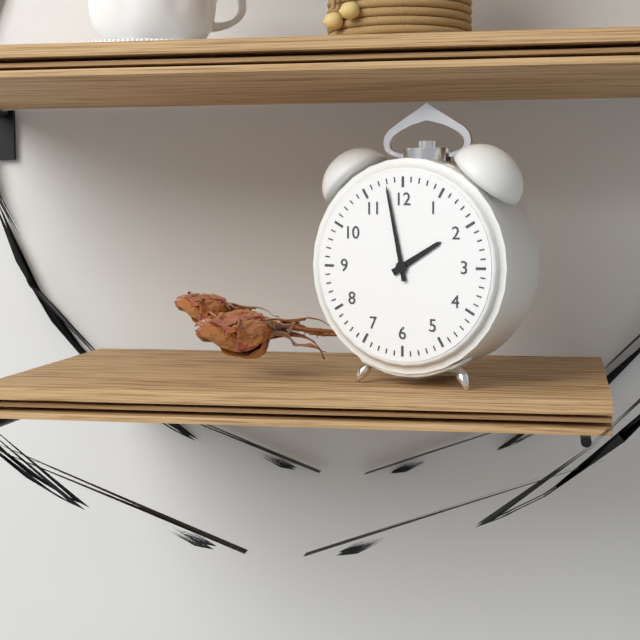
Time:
**1:58**
